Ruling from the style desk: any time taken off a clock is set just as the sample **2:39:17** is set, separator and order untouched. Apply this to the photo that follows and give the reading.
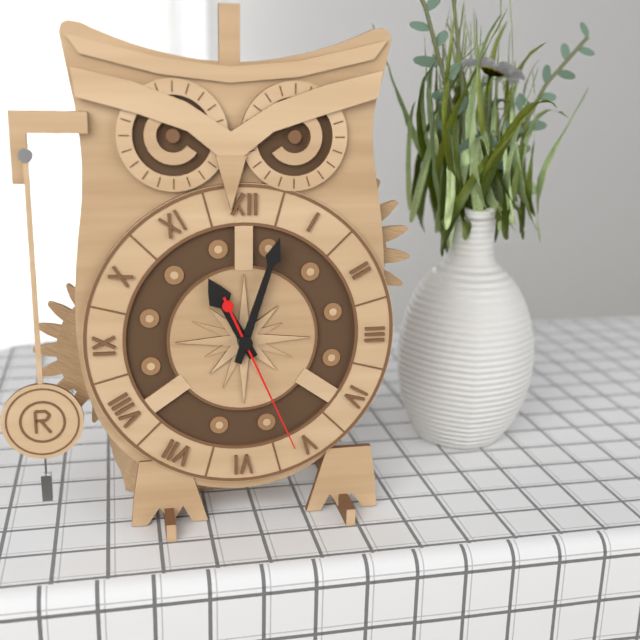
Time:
**11:03:26**
